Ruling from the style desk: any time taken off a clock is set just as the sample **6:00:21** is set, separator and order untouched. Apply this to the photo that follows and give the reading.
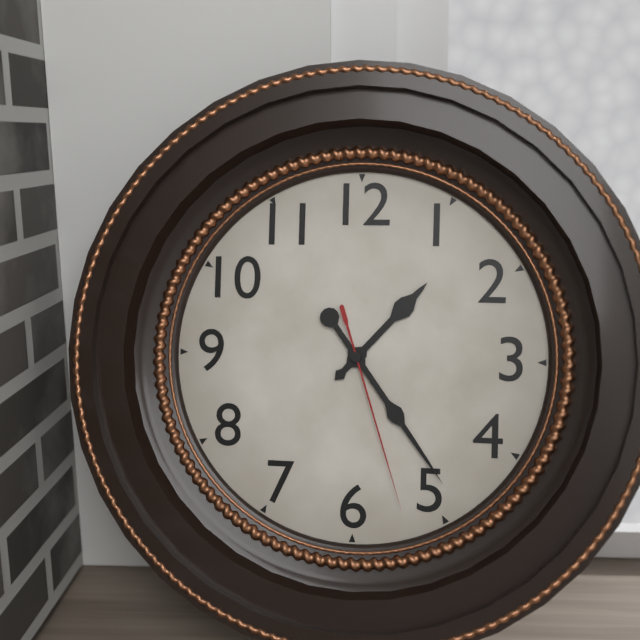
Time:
**1:24:27**
